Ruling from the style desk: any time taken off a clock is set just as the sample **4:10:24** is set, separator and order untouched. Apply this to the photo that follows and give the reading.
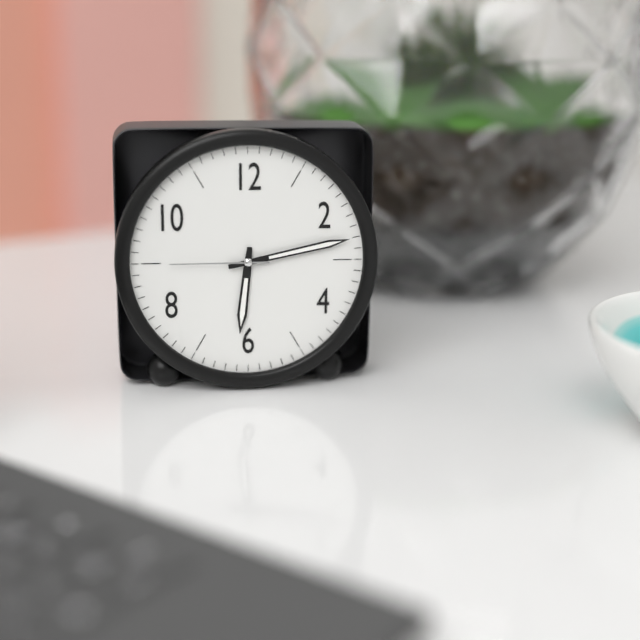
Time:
**6:13:45**
